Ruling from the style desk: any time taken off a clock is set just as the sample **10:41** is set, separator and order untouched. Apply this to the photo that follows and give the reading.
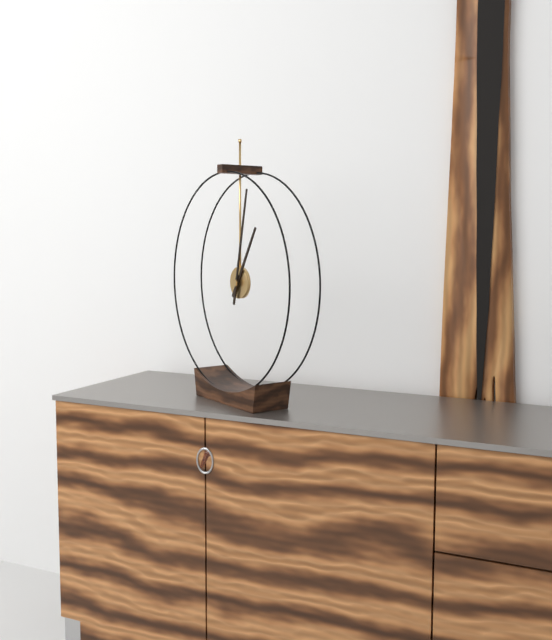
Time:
**1:02**
